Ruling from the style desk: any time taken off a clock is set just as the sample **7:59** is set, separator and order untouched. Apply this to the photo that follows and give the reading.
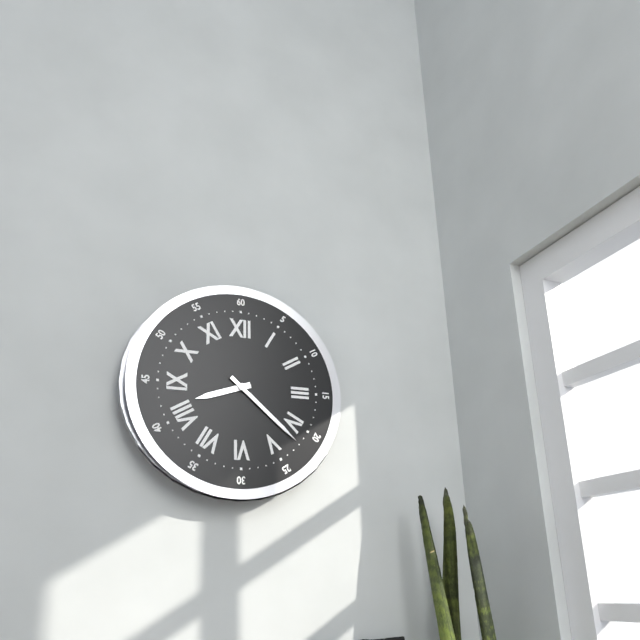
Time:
**8:22**
